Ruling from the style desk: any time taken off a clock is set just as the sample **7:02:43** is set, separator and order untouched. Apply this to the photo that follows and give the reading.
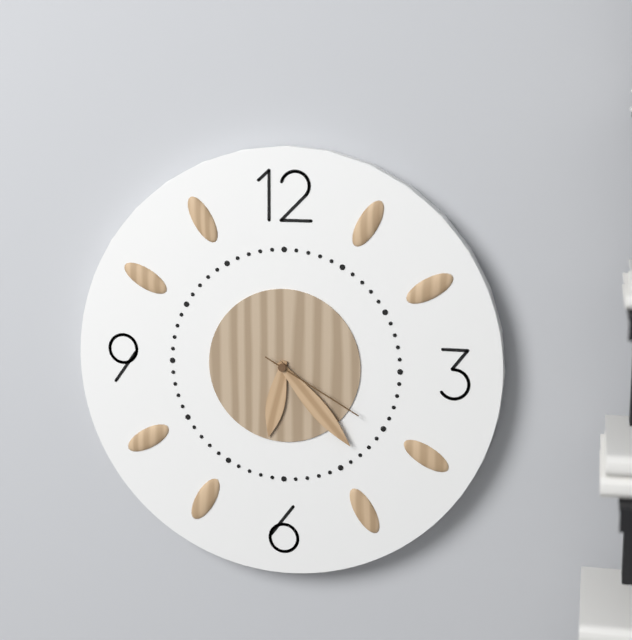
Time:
**6:23:20**
